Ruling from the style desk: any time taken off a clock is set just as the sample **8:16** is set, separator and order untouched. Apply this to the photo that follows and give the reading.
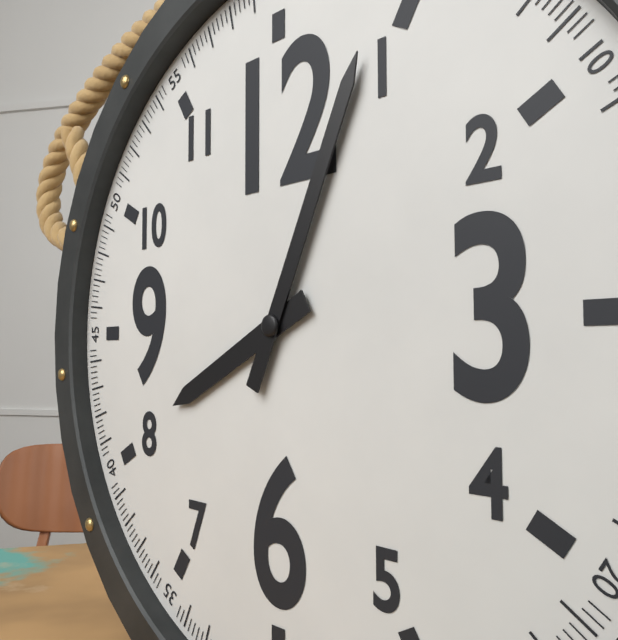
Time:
**8:04**
